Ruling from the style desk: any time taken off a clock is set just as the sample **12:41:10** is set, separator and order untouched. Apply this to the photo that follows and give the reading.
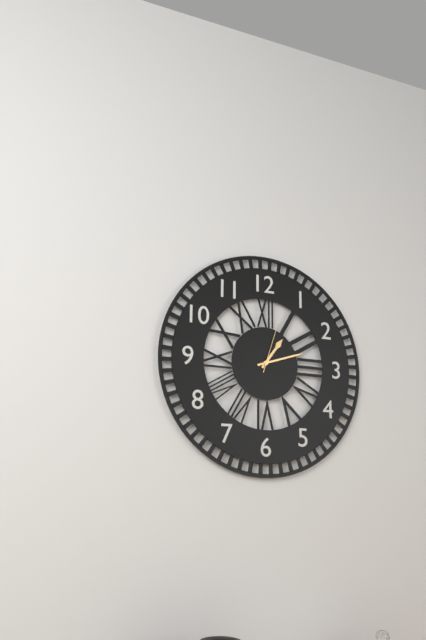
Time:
**1:12:03**
